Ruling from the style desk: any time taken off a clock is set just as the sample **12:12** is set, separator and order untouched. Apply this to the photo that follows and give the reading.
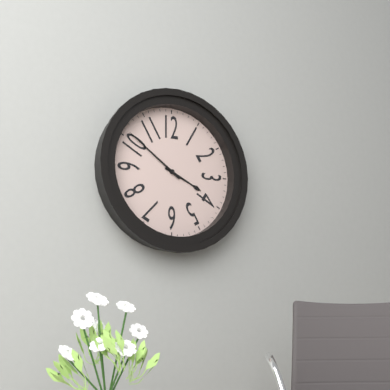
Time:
**3:51**
